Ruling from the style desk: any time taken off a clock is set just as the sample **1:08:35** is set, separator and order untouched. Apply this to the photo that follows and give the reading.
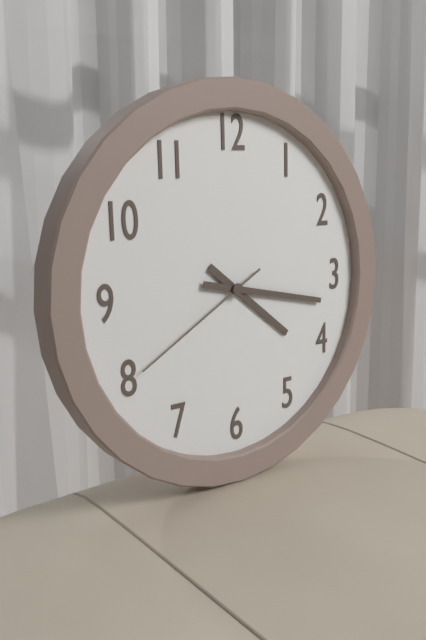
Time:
**4:17:40**
